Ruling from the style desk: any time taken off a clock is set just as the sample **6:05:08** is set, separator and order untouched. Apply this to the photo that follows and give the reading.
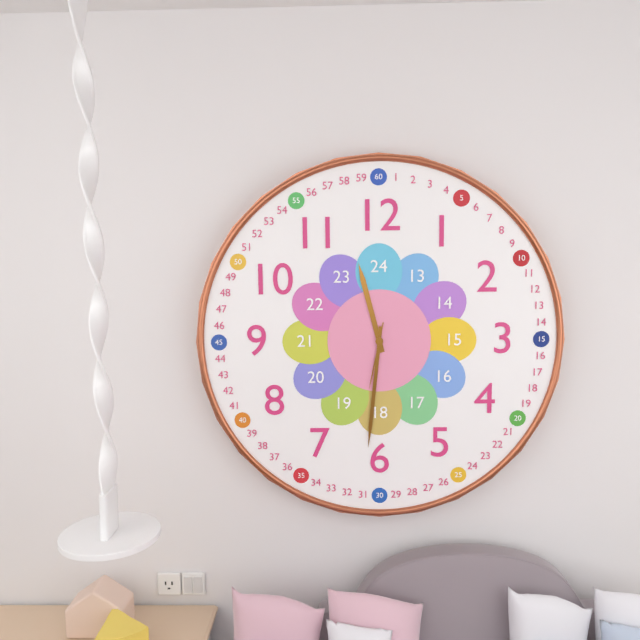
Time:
**11:31:32**
